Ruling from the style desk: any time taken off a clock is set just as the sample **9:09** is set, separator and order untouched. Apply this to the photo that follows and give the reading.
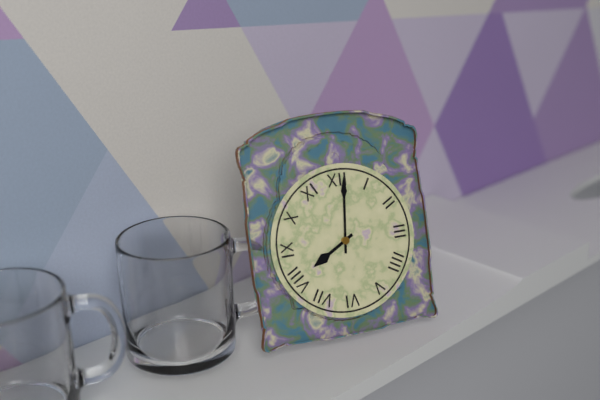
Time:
**8:01**
